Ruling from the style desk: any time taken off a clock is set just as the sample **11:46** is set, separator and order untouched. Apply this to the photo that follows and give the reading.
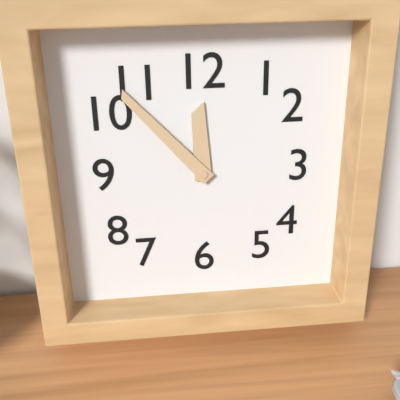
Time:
**11:53**
